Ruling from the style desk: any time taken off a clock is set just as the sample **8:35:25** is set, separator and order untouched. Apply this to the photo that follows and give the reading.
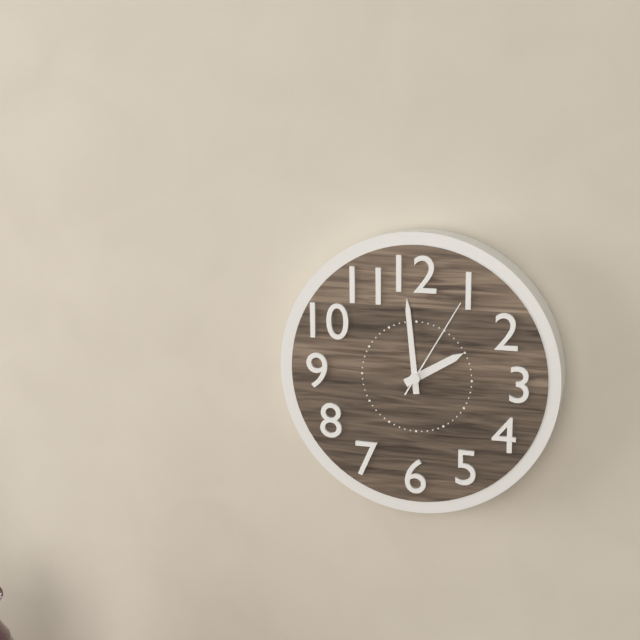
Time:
**1:59:05**
